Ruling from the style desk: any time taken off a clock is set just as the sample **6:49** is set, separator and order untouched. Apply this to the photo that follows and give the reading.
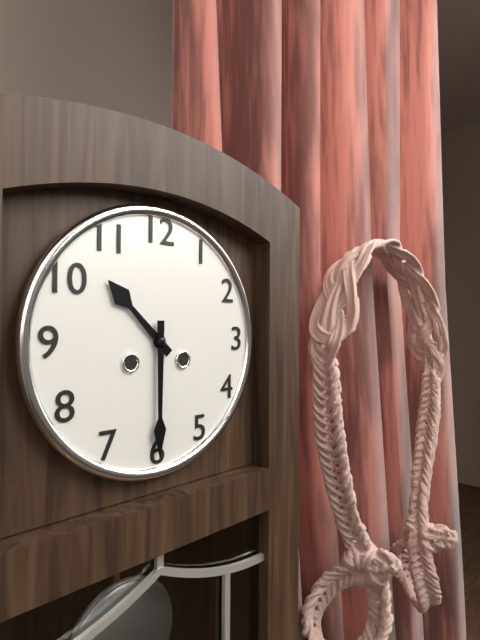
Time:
**10:30**
